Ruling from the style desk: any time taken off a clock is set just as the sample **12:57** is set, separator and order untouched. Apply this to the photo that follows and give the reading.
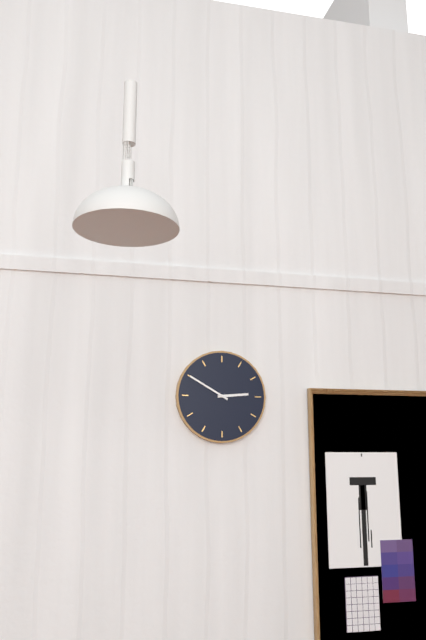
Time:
**2:50**
